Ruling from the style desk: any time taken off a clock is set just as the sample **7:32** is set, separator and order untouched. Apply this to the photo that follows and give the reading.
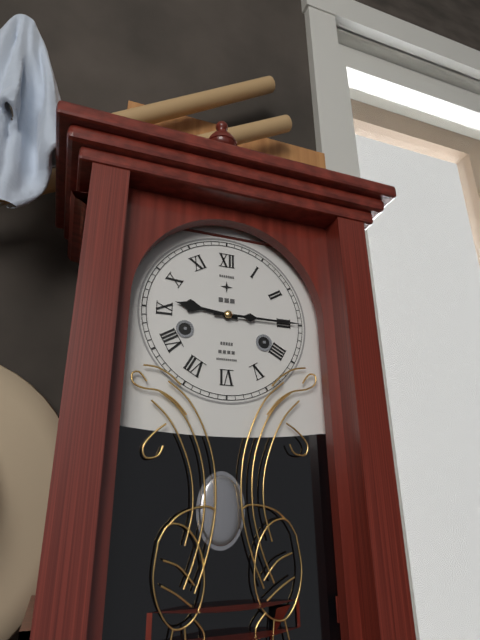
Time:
**9:15**
